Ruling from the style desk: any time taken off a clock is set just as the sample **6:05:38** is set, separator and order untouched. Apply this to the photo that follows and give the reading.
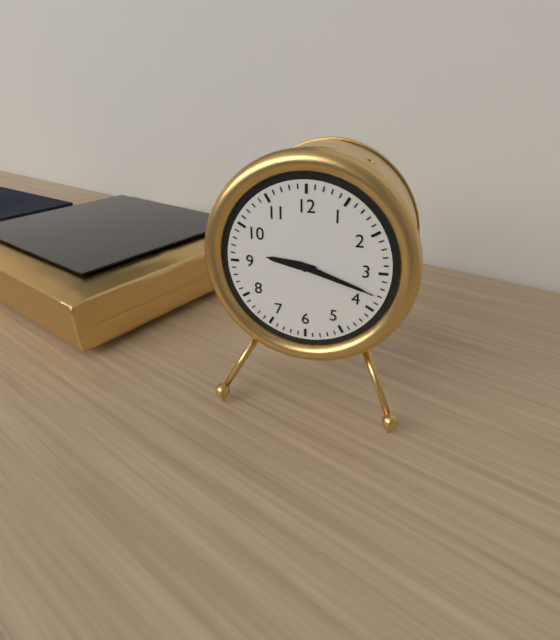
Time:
**9:18:18**
